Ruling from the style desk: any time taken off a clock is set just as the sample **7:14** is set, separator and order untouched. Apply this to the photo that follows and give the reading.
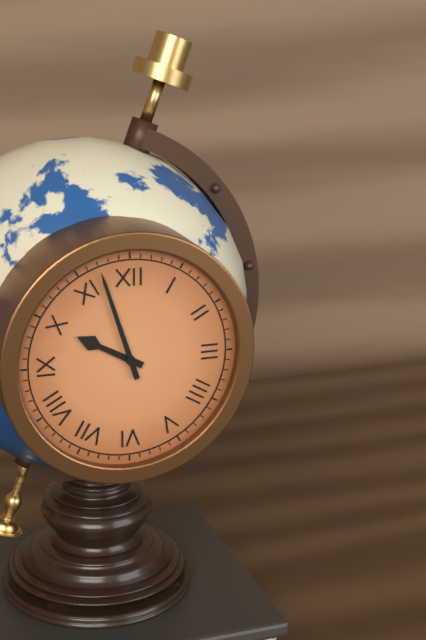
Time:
**9:57**
